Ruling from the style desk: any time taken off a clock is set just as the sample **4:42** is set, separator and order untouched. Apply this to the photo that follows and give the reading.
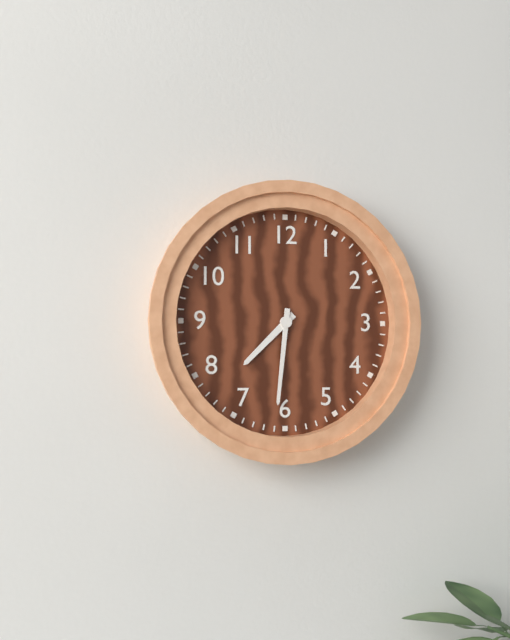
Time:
**7:31**
